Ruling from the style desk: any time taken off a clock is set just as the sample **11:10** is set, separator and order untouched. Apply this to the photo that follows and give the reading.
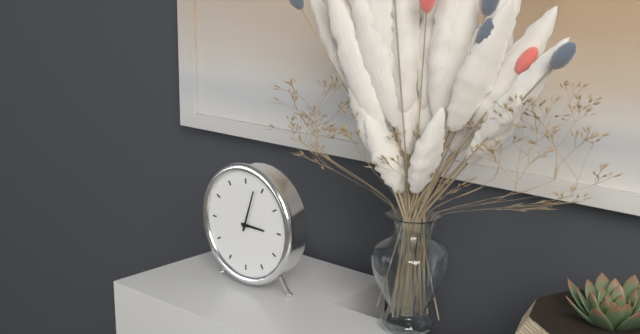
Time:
**3:03**
